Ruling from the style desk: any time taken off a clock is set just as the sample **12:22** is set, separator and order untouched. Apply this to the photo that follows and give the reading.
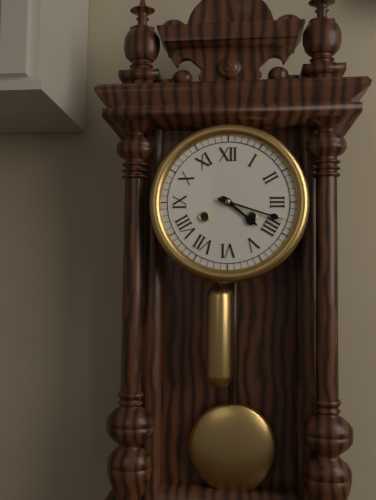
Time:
**4:18**
